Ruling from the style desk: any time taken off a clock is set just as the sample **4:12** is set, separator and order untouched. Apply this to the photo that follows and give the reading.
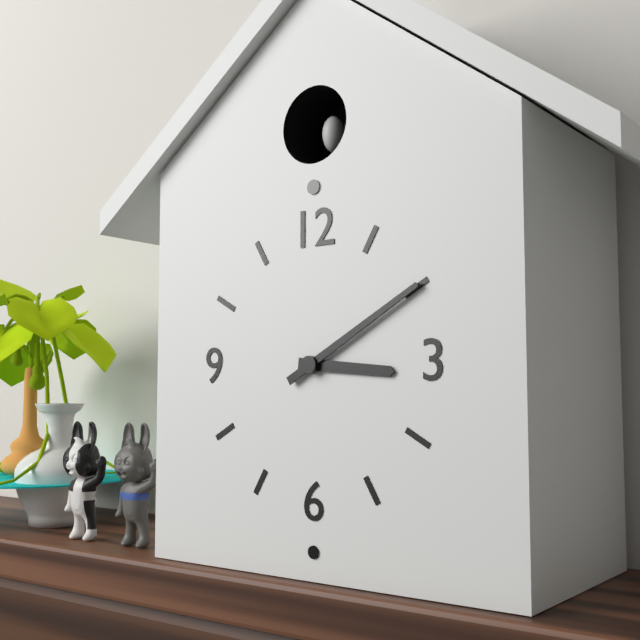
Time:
**3:10**
